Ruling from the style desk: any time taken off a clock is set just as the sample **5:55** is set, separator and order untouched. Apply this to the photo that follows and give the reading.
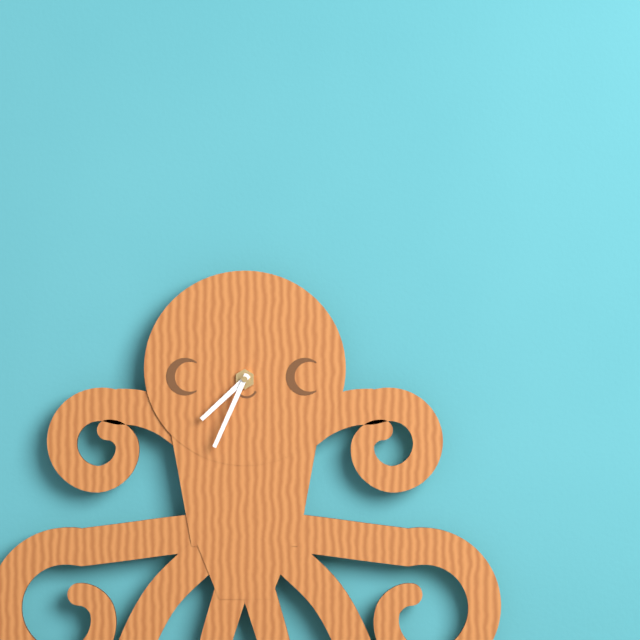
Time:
**7:34**
